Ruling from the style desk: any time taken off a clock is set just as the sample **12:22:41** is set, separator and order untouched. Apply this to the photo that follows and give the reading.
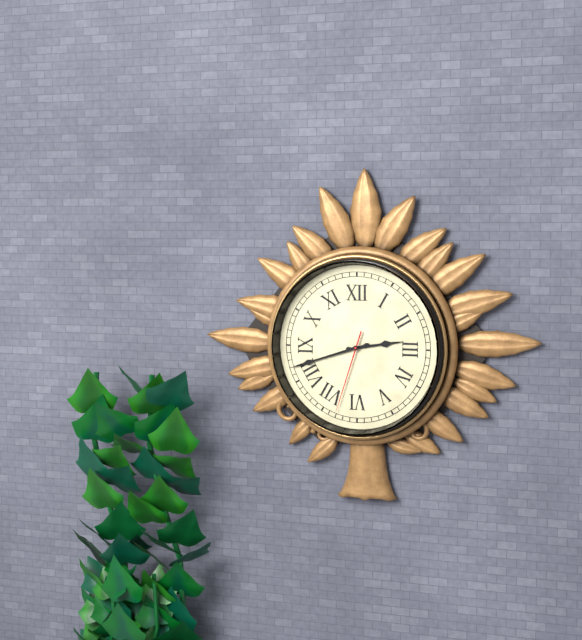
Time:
**2:42:33**
